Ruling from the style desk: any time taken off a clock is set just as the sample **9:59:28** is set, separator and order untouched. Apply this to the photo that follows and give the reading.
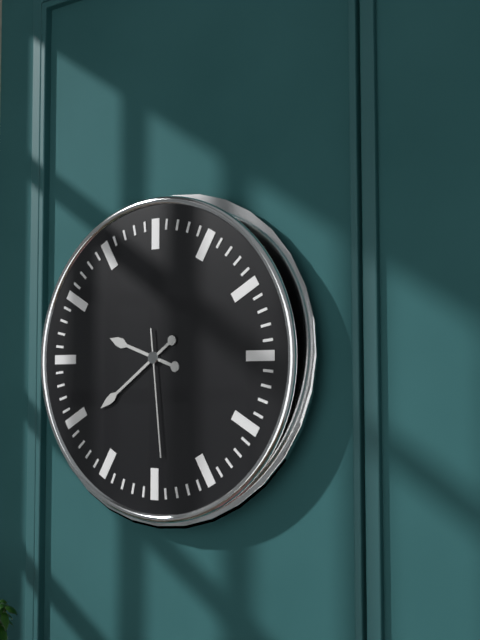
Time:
**9:39:29**
